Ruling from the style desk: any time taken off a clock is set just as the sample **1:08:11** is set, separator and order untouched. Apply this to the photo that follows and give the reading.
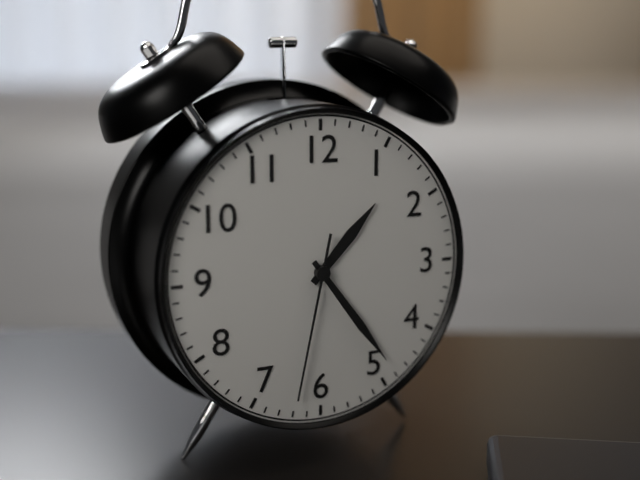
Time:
**1:24:32**
